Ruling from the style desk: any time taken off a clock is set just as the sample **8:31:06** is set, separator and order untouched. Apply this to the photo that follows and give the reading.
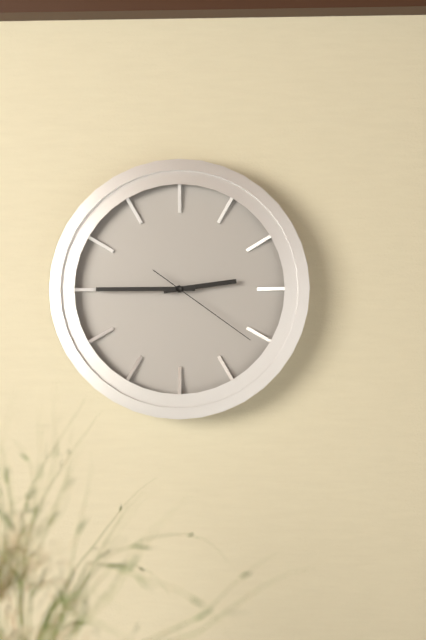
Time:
**2:45:21**
